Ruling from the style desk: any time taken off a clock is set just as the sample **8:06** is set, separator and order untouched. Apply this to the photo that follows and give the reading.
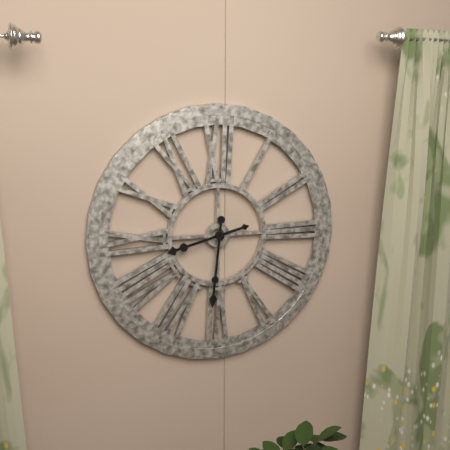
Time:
**8:31**
